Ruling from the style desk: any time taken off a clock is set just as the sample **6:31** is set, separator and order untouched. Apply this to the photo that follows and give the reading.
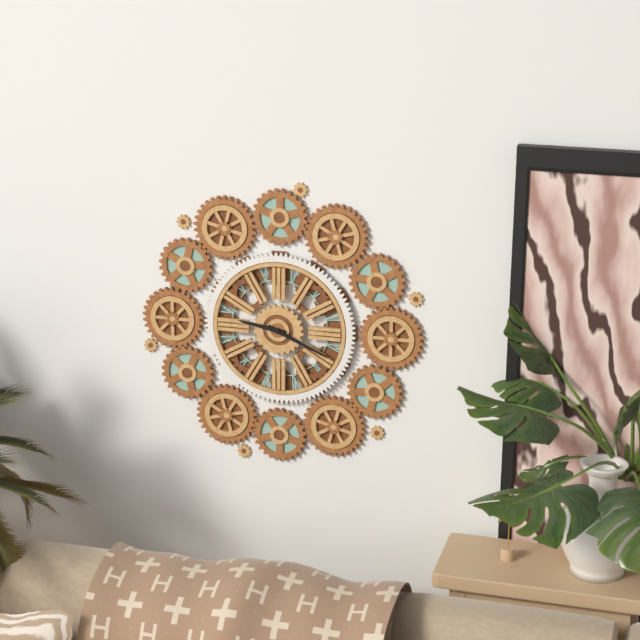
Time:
**9:19**
